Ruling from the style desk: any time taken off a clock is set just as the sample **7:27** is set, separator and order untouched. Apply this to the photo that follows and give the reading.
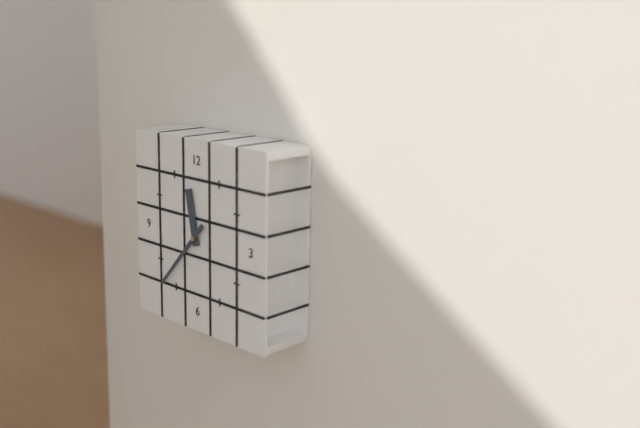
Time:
**11:37**
